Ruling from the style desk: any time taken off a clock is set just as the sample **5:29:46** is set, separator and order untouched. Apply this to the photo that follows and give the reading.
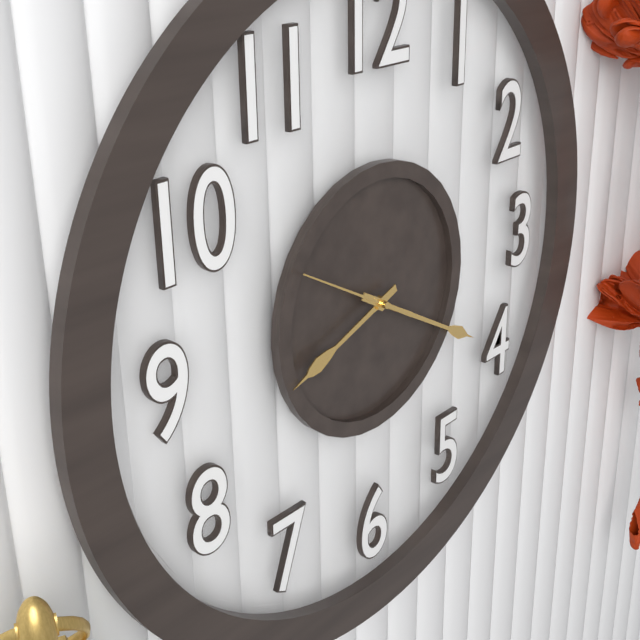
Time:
**8:20:50**
